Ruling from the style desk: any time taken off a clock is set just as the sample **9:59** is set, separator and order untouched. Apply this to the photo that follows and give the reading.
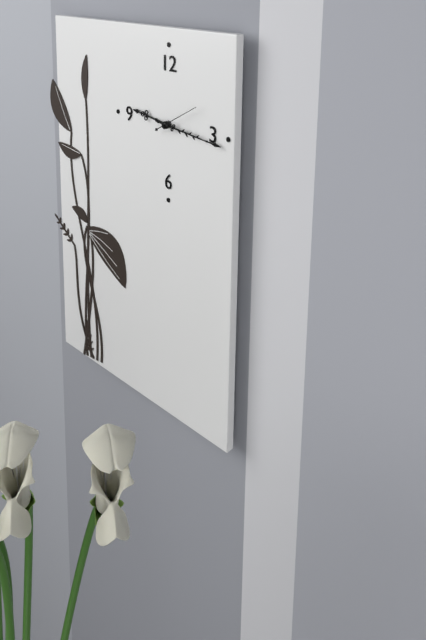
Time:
**9:16**
